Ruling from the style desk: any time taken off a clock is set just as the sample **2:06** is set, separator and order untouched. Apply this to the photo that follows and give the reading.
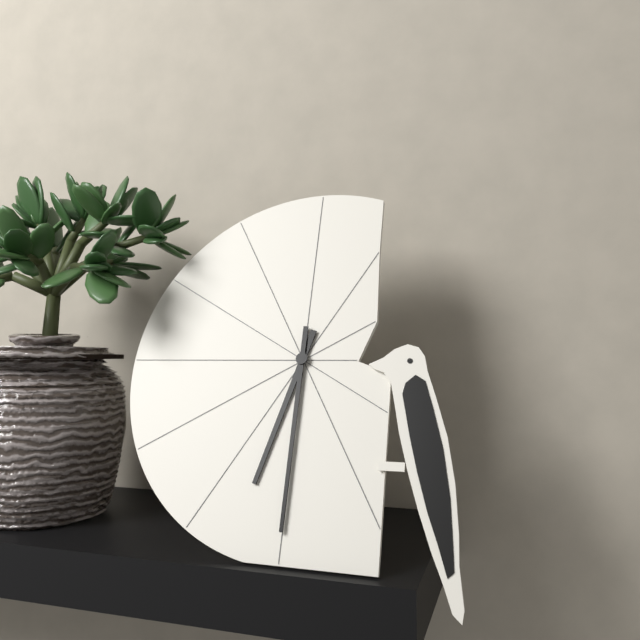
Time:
**6:30**
